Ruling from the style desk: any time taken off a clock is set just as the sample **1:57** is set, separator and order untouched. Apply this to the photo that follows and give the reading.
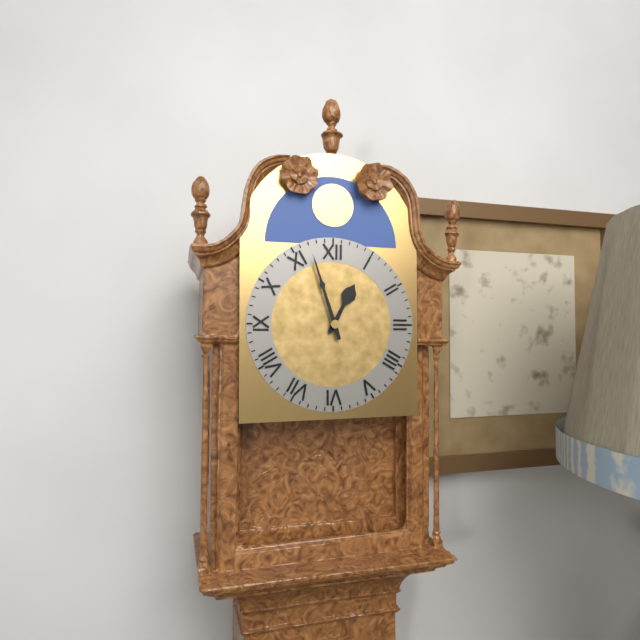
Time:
**12:57**
